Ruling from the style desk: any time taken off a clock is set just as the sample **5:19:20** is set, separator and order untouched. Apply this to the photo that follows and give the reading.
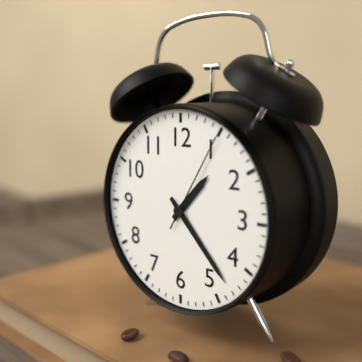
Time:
**1:23:05**
